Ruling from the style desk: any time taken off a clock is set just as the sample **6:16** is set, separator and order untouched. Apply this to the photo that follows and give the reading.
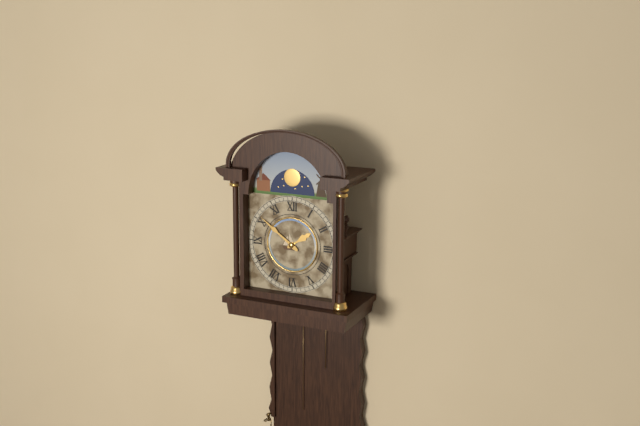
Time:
**1:51**
